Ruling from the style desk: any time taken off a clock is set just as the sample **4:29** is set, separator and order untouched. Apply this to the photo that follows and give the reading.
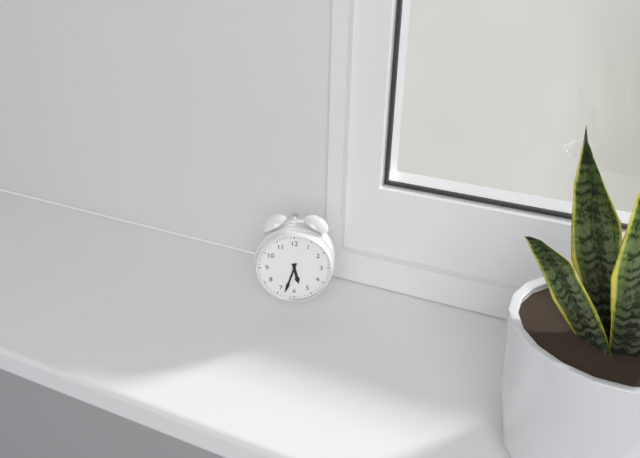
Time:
**5:33**
